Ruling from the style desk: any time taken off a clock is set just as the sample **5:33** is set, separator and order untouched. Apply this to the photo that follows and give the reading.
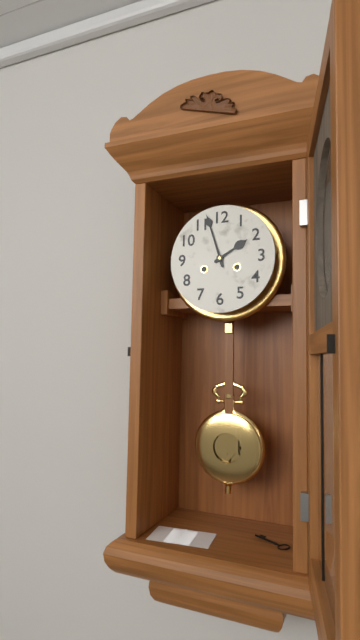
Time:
**1:57**
